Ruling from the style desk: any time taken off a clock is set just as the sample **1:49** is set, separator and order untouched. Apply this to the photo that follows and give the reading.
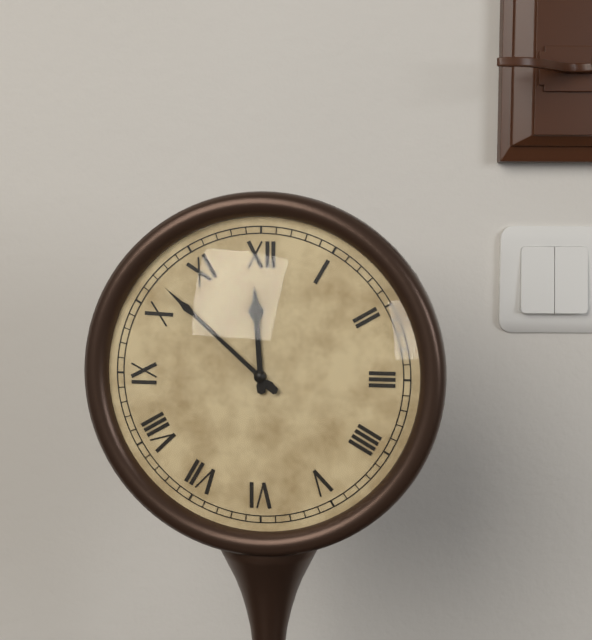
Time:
**11:52**
